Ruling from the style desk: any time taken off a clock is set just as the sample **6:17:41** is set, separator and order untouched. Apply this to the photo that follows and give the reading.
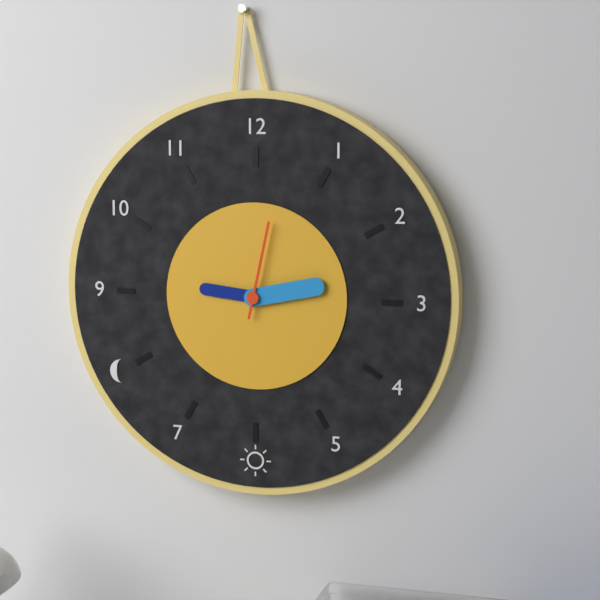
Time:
**9:13:02**
